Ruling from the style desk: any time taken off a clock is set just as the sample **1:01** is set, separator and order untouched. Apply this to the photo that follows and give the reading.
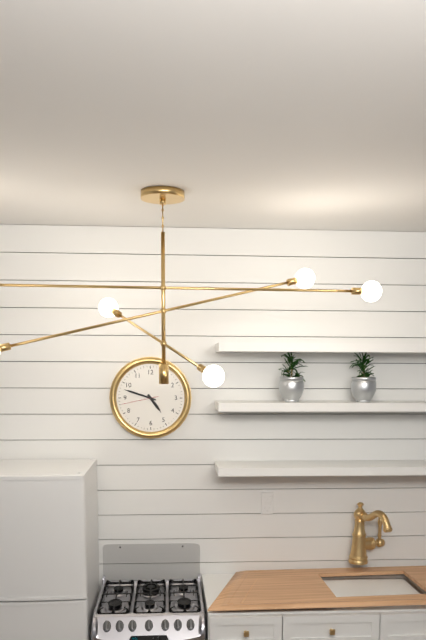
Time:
**4:48**
